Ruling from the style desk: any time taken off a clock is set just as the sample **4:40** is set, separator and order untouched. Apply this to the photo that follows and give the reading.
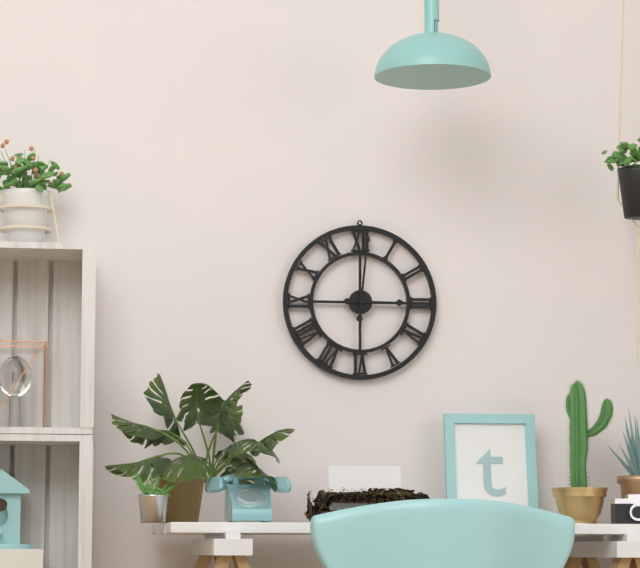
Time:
**3:01**
